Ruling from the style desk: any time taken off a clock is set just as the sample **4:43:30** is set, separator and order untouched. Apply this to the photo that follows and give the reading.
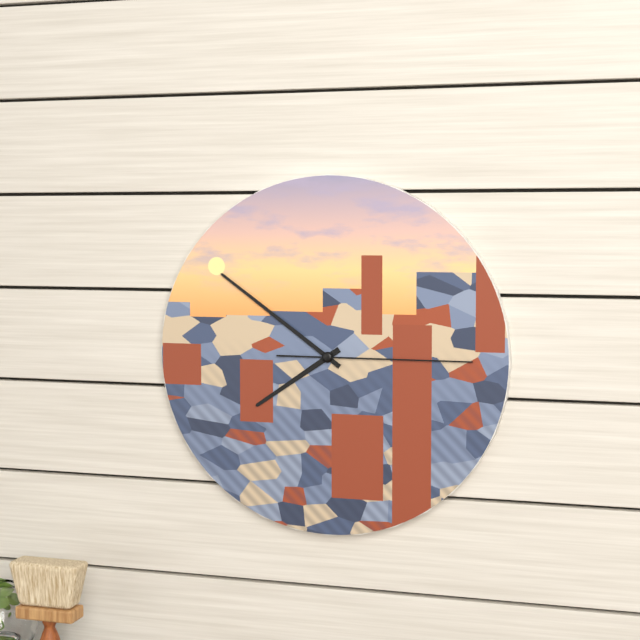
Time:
**7:51:15**
